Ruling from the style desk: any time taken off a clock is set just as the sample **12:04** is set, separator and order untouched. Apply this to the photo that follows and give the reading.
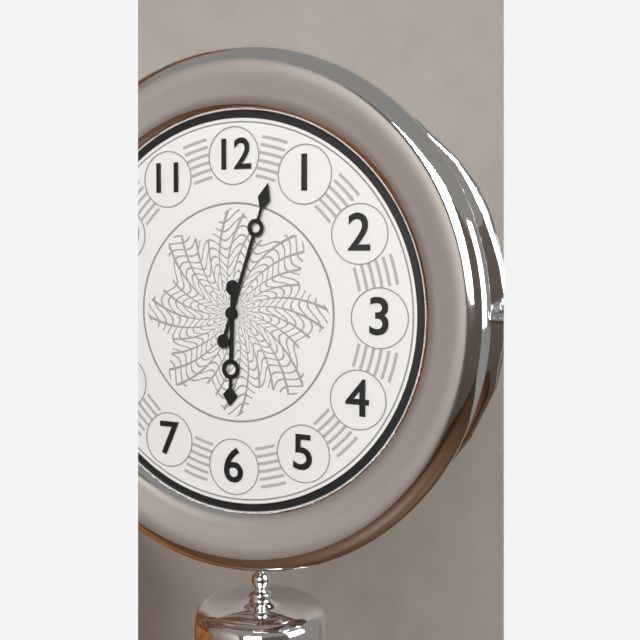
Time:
**6:03**
